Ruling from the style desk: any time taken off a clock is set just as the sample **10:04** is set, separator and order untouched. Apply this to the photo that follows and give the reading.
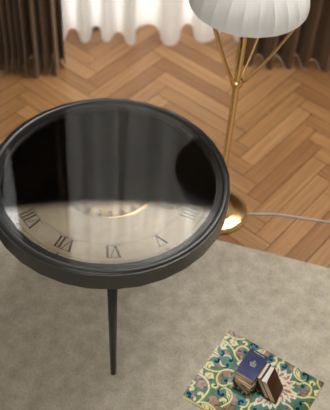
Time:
**8:11**
